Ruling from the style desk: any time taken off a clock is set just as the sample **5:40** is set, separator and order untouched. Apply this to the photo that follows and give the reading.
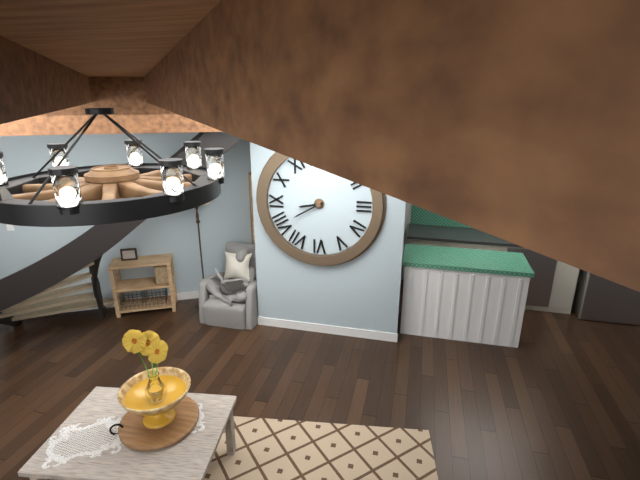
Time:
**8:40**
